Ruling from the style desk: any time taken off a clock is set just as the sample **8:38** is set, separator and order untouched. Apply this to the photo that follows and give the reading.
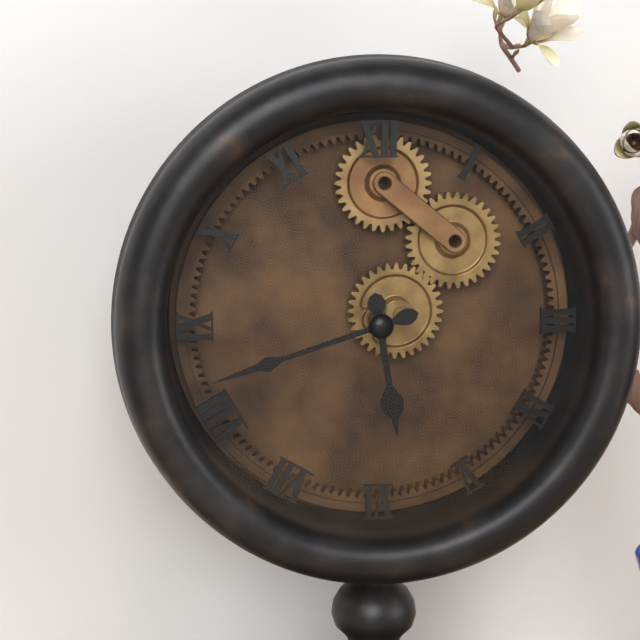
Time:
**5:42**
